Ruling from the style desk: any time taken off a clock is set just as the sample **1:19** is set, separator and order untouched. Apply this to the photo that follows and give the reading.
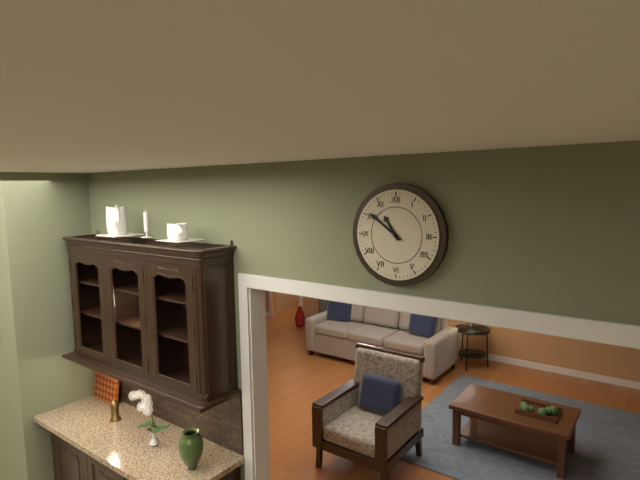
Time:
**10:51**
